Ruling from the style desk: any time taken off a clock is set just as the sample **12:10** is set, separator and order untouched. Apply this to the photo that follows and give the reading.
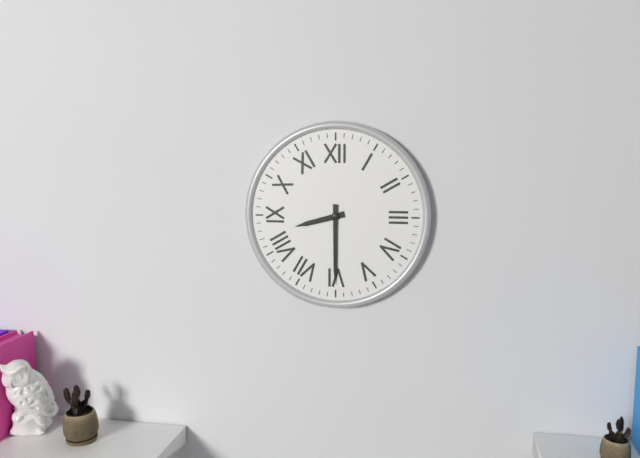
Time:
**8:30**
